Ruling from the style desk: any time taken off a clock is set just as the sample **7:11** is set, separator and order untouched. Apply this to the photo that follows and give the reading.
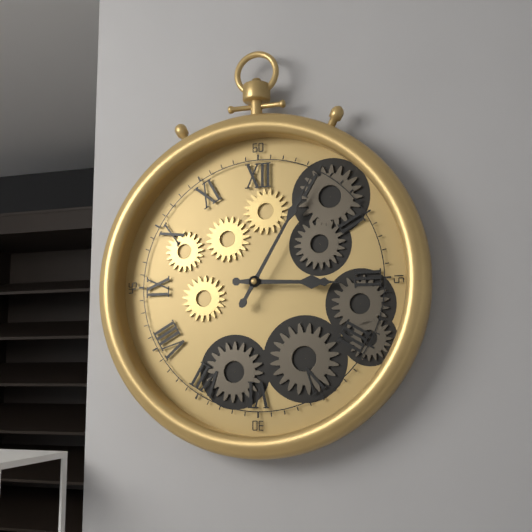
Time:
**3:05**
